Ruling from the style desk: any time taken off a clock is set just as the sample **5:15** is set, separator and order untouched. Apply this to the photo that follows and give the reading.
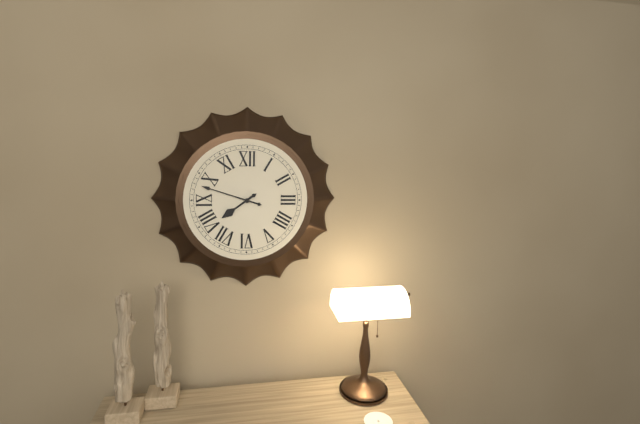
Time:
**7:48**
